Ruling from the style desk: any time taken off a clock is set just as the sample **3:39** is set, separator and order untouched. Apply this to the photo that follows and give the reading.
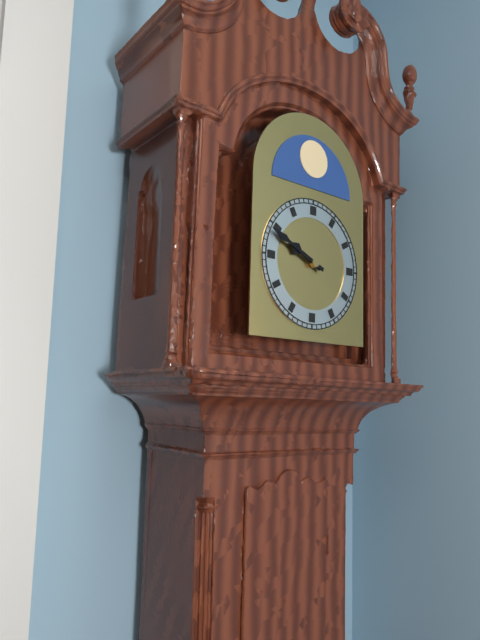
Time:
**9:49**
